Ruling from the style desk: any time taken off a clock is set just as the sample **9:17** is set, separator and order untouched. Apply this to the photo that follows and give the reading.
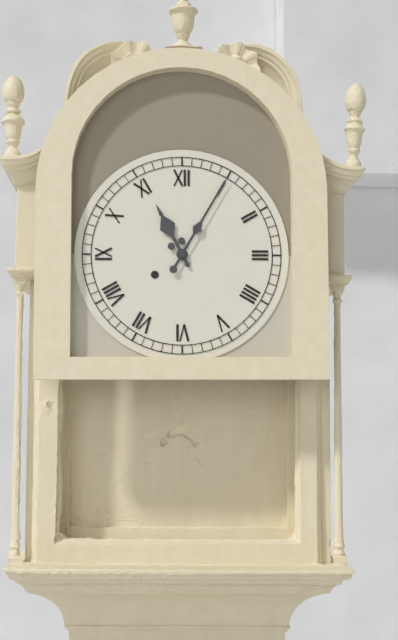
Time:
**11:05**
